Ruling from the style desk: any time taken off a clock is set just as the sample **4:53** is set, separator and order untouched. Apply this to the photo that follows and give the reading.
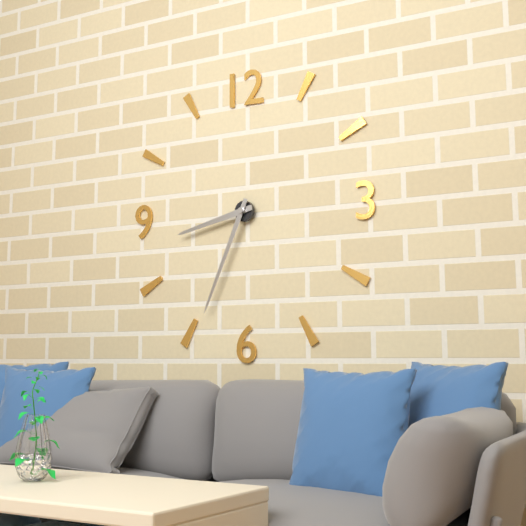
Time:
**8:34**
